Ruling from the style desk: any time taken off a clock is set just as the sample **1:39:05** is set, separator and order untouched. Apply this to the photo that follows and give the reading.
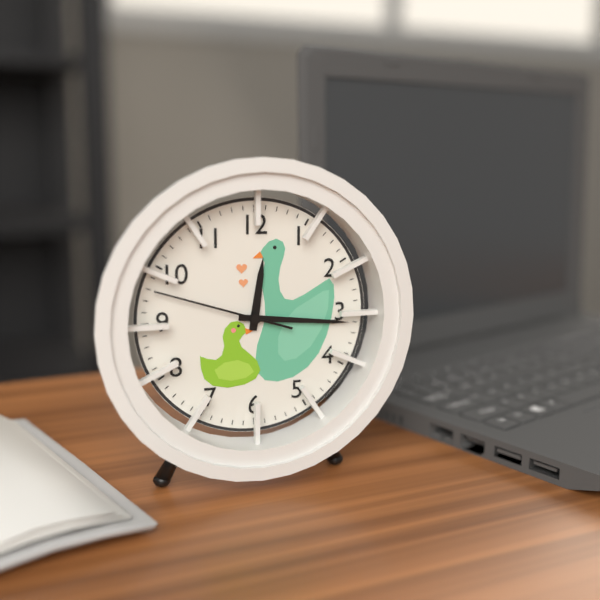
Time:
**12:16:48**
